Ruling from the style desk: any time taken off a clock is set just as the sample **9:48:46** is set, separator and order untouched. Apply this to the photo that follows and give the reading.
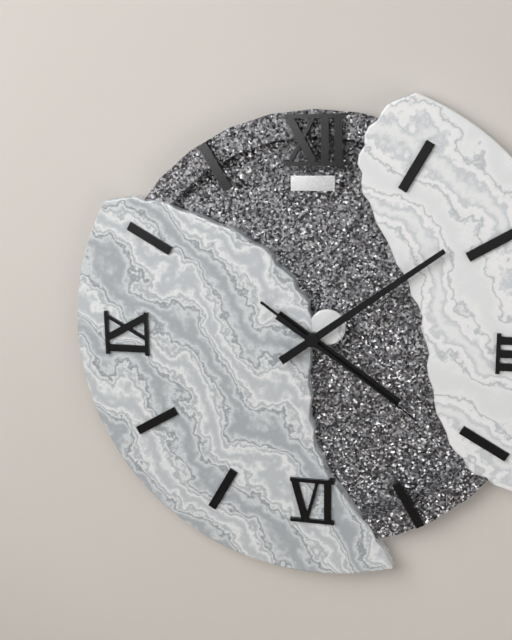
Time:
**4:09:21**
